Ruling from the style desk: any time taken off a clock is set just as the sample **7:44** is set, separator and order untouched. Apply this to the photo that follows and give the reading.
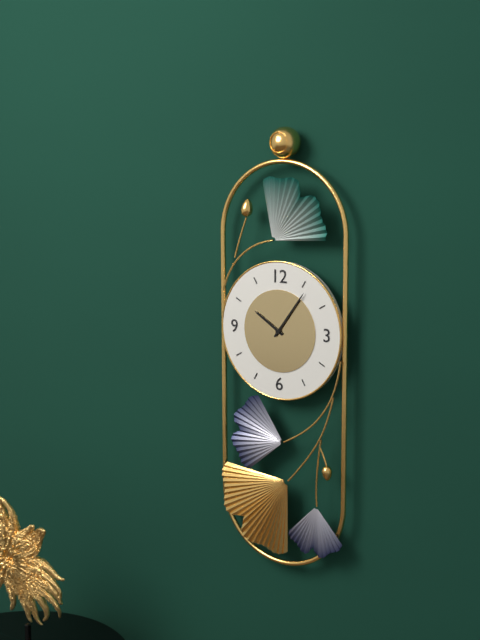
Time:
**10:06**
